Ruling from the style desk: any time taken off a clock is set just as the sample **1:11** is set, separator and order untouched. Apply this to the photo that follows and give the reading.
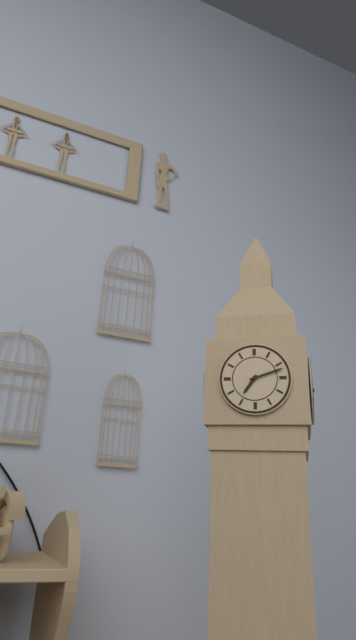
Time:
**7:12**
